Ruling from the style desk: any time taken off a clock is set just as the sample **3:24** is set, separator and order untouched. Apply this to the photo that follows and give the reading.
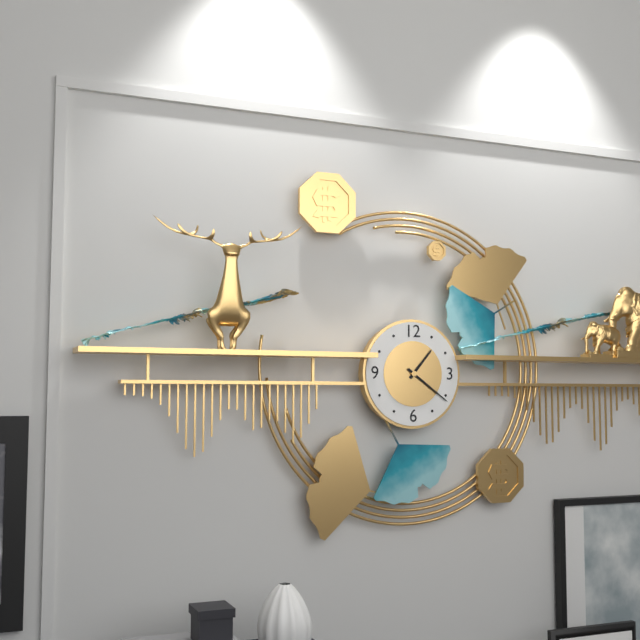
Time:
**1:21**
